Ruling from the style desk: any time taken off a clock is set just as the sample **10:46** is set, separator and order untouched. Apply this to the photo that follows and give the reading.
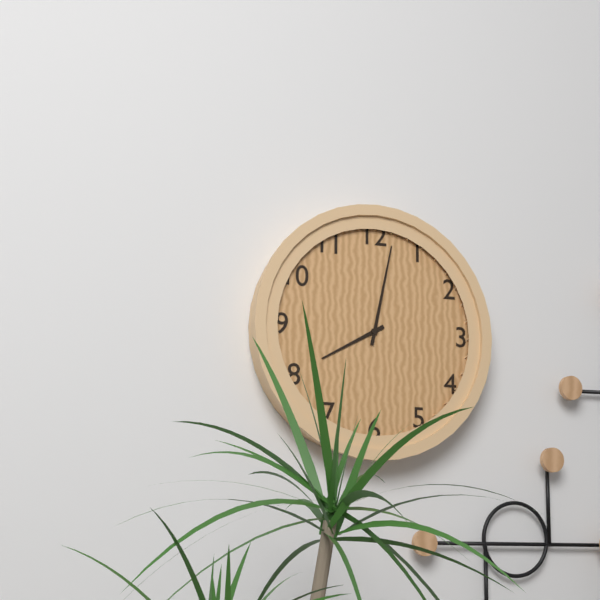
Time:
**8:02**
